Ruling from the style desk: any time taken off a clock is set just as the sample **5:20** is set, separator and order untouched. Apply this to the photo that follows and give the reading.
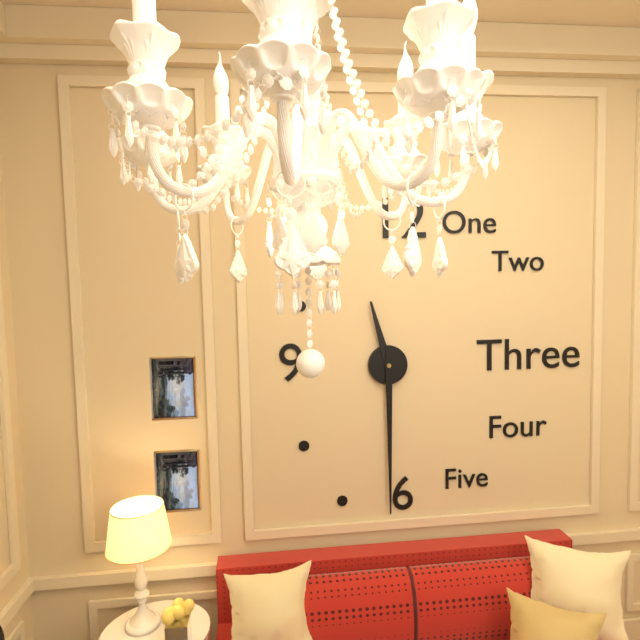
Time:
**11:30**
